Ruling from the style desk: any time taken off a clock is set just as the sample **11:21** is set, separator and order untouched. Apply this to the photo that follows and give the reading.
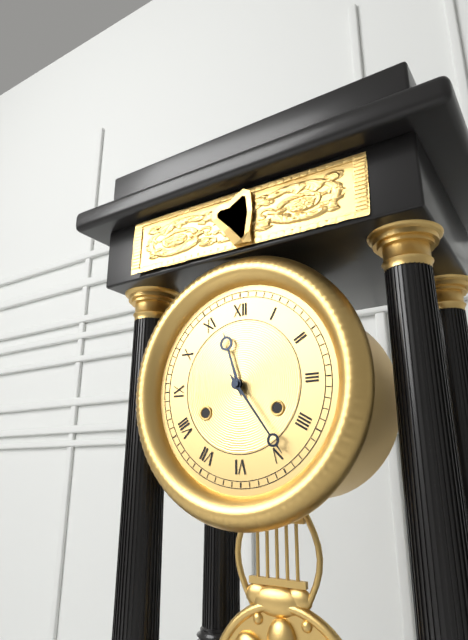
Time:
**11:24**
